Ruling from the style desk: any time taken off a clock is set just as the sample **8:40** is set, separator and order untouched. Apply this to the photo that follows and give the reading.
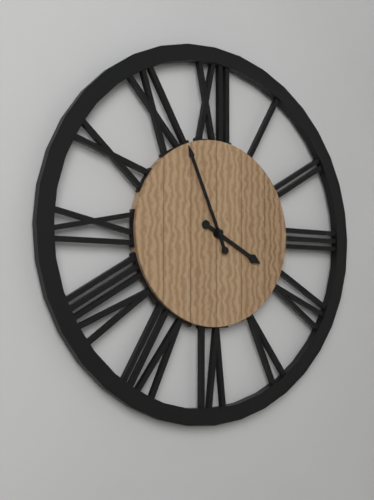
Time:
**3:56**
